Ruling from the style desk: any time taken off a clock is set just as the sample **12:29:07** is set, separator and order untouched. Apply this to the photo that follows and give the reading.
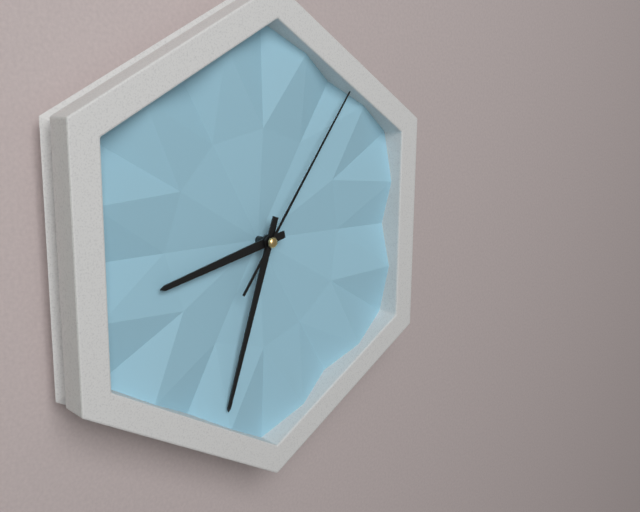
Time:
**8:33:06**
